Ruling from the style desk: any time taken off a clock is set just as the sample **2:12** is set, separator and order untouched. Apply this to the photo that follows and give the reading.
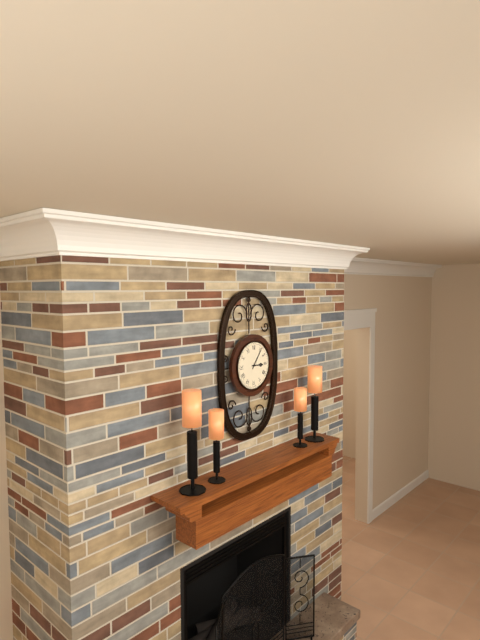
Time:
**3:06**
